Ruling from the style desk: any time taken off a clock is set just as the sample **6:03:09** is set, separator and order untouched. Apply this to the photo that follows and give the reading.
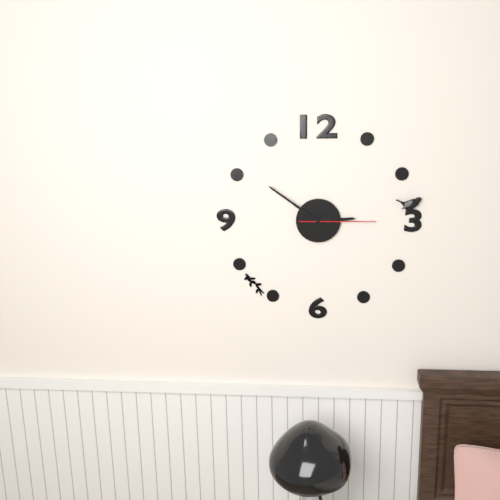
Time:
**2:51:15**
